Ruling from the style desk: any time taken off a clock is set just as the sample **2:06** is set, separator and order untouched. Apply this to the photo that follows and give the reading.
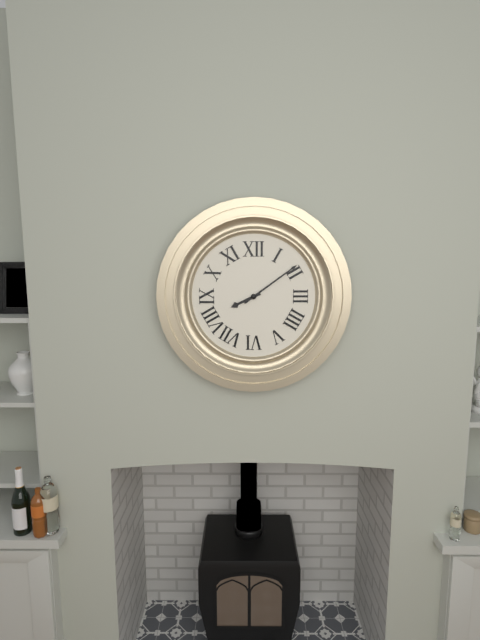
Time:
**8:09**
